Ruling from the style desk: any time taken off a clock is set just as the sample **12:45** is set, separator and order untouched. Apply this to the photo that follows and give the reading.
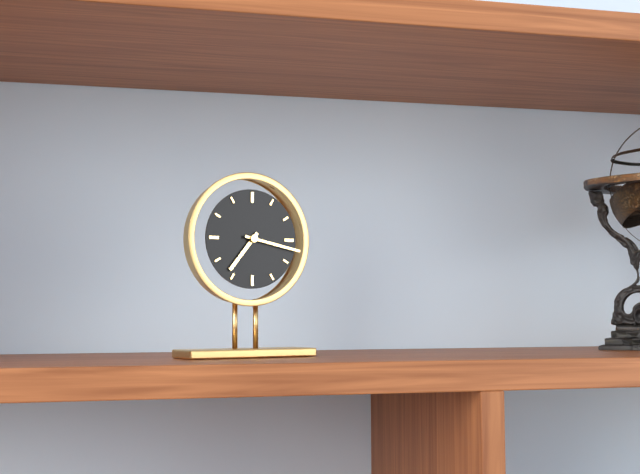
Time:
**7:17**
